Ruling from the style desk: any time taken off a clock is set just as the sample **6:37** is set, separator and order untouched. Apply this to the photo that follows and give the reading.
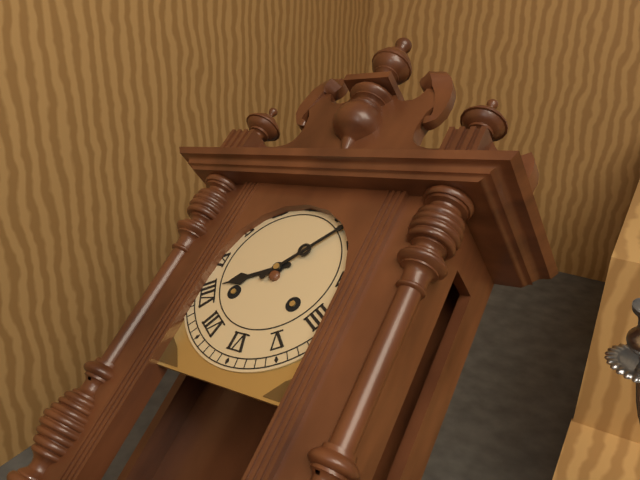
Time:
**8:07**
